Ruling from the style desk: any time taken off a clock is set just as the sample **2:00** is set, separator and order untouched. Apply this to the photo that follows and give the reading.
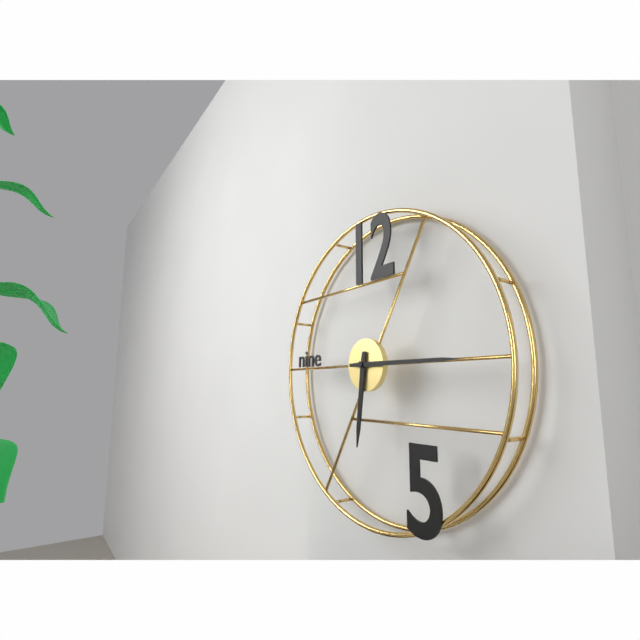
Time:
**6:15**
